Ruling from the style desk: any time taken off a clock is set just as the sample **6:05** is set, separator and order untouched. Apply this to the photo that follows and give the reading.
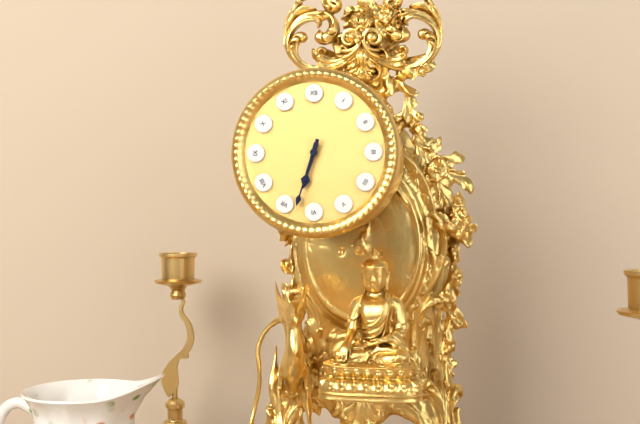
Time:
**6:33**
